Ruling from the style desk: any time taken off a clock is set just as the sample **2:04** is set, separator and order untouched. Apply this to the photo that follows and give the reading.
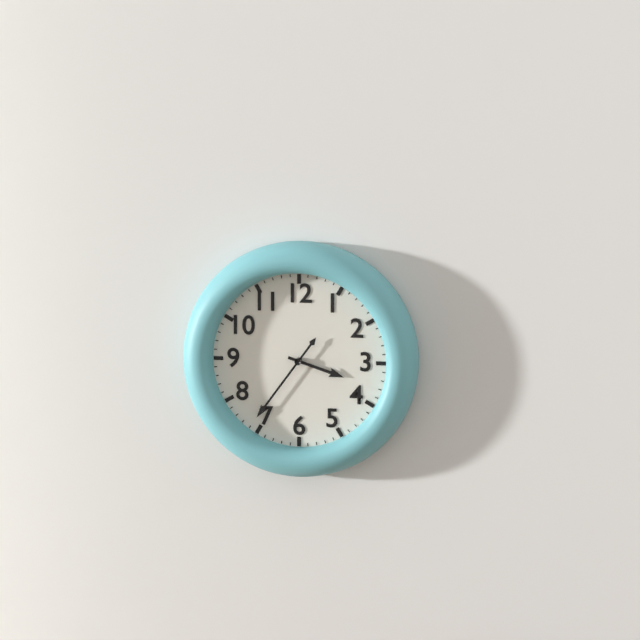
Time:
**3:36**
